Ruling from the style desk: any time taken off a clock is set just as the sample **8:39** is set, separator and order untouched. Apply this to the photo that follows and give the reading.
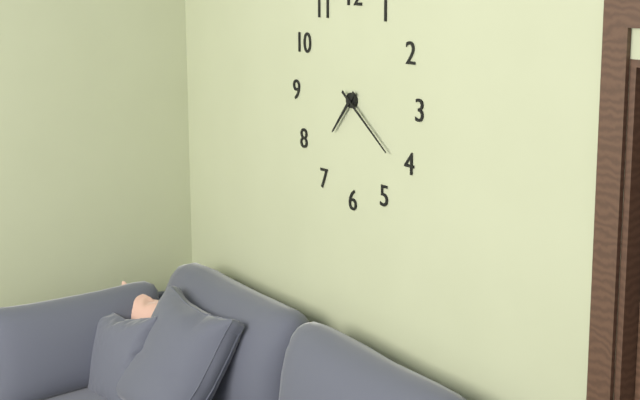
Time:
**7:21**
